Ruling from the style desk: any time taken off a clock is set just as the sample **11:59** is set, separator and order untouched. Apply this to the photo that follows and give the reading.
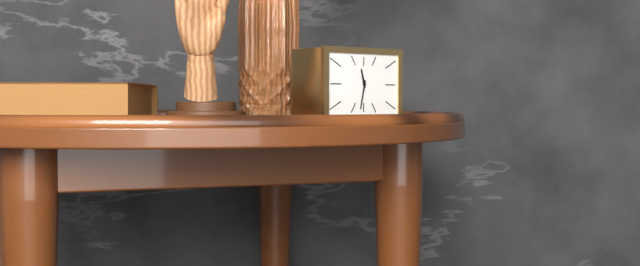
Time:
**11:32**
